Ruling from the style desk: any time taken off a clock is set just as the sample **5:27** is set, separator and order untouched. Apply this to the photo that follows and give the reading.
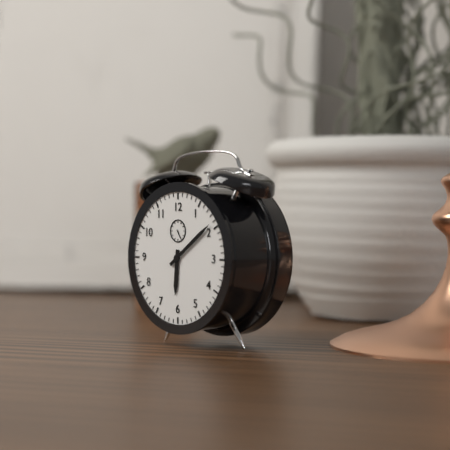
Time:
**6:09**
